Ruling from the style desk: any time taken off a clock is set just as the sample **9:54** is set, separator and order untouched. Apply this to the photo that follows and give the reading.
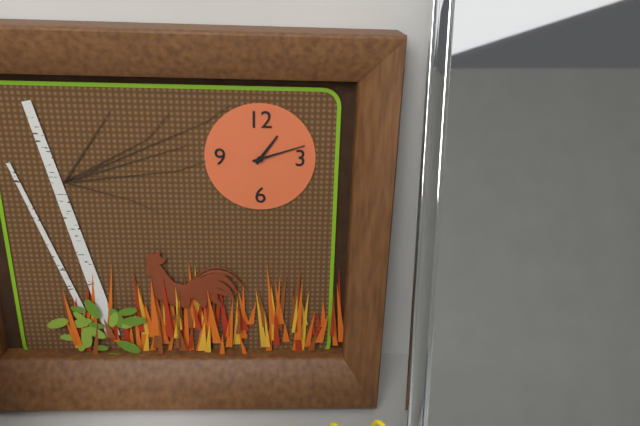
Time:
**1:12**
